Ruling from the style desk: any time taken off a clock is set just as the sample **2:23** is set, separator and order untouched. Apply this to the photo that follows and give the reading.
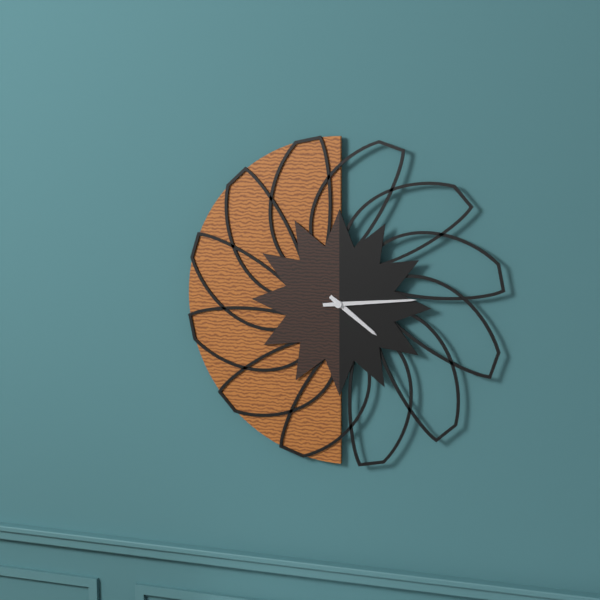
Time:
**4:14**
